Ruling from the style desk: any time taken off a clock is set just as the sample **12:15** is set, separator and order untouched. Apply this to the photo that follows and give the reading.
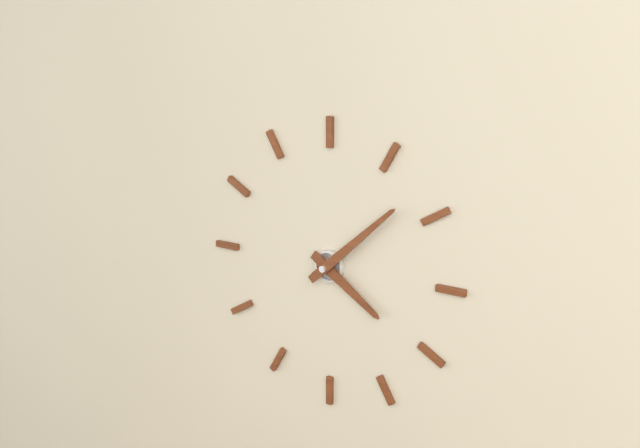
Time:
**4:08**
